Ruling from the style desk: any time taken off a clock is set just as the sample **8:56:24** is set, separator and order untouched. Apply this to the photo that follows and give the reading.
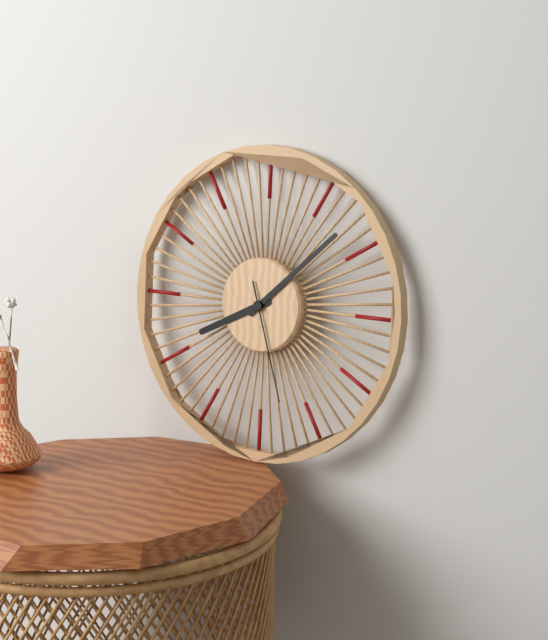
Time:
**8:08:27**
